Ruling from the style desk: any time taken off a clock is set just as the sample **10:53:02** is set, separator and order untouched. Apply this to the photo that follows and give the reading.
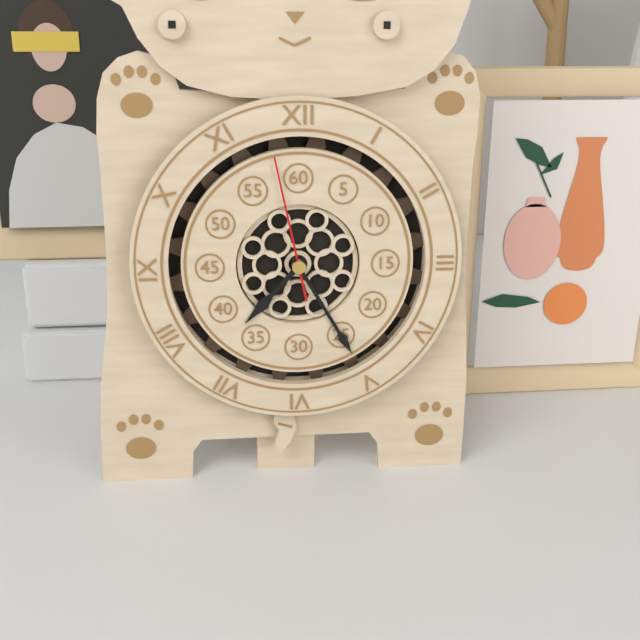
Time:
**7:25:58**
